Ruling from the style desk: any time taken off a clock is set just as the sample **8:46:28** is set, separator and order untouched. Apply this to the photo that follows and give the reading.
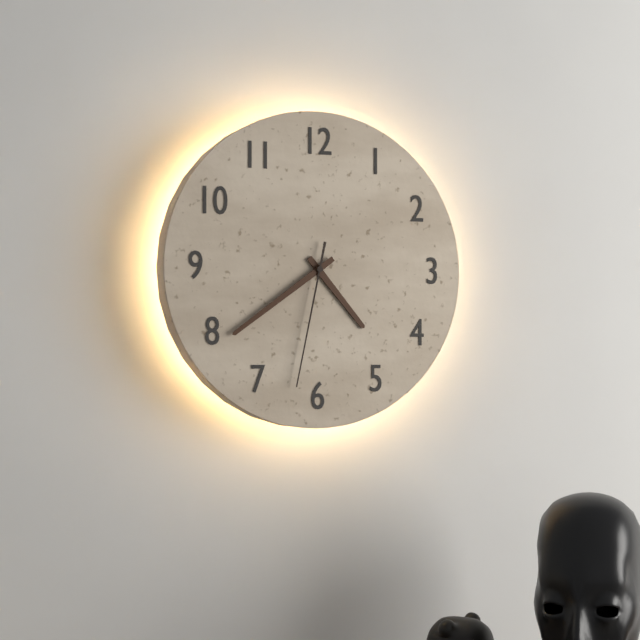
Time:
**4:39:32**
